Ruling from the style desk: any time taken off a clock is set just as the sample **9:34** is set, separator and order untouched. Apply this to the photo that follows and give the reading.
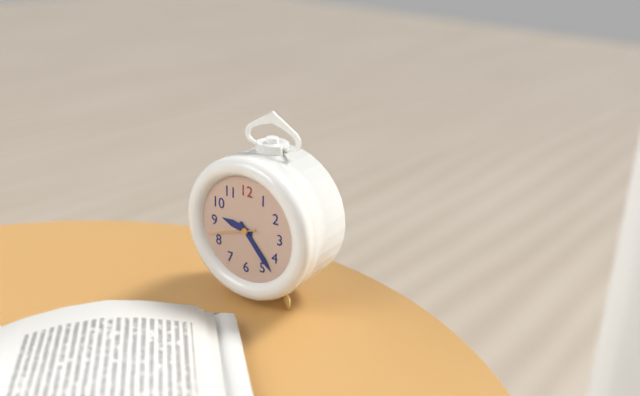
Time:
**9:23**
